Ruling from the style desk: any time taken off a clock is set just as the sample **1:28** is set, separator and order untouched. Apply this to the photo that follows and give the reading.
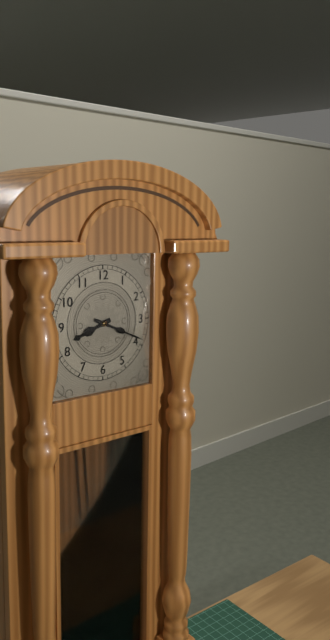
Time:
**8:19**
